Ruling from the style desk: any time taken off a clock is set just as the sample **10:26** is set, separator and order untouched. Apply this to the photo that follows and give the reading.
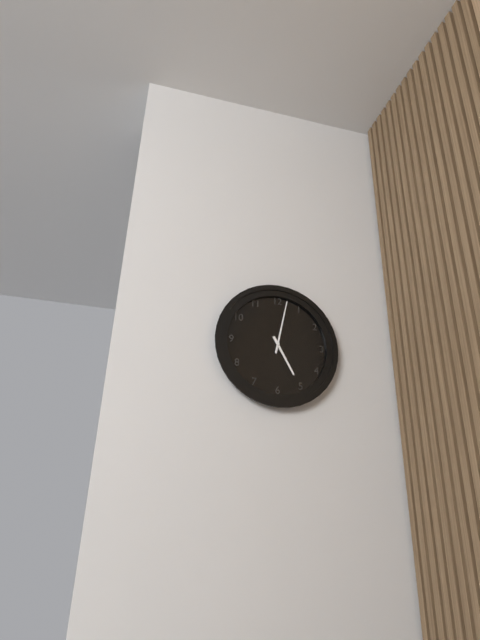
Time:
**5:02**
